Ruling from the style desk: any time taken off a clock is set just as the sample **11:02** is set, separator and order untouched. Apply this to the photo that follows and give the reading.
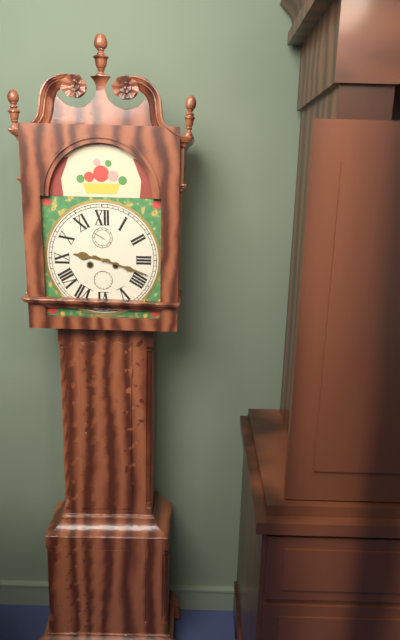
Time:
**9:18**
